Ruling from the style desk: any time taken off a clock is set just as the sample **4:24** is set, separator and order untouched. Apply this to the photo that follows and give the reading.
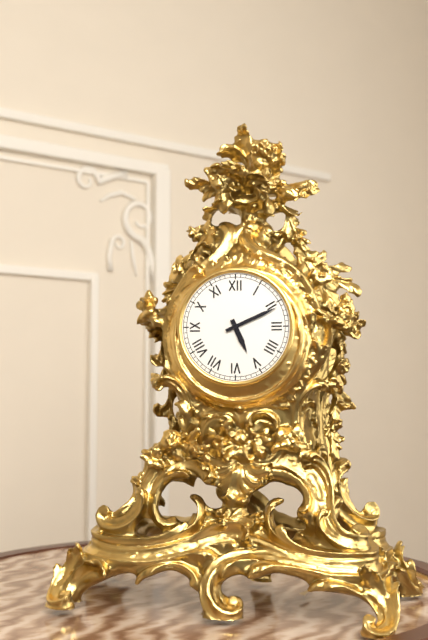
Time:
**5:11**
